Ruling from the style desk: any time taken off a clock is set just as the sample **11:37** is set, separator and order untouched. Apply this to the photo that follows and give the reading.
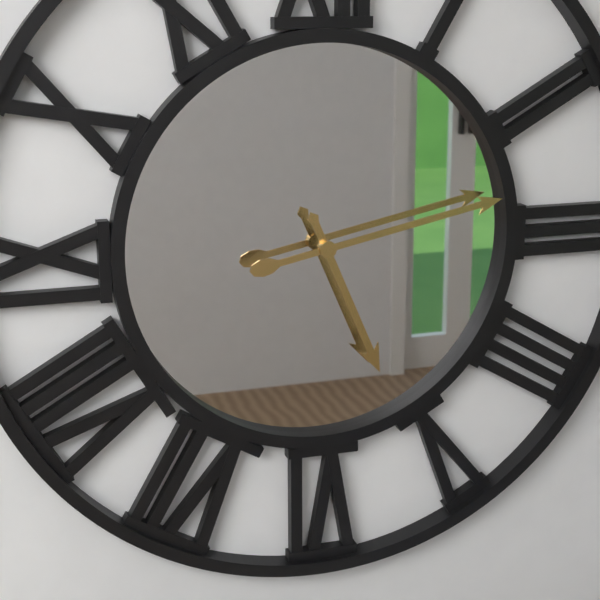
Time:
**5:13**
